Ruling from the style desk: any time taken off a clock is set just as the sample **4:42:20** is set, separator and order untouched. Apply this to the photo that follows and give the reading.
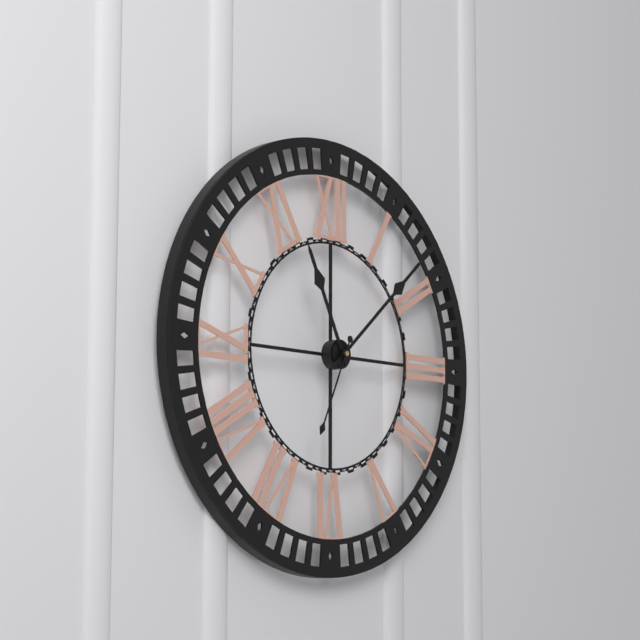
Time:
**11:08:34**
